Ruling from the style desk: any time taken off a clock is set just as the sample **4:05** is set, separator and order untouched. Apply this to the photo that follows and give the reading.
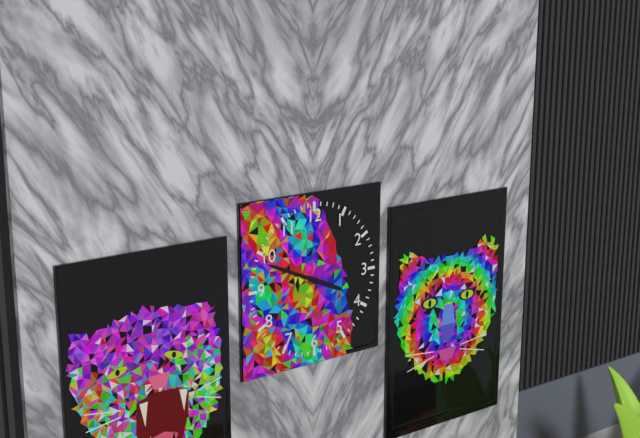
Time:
**3:49**
